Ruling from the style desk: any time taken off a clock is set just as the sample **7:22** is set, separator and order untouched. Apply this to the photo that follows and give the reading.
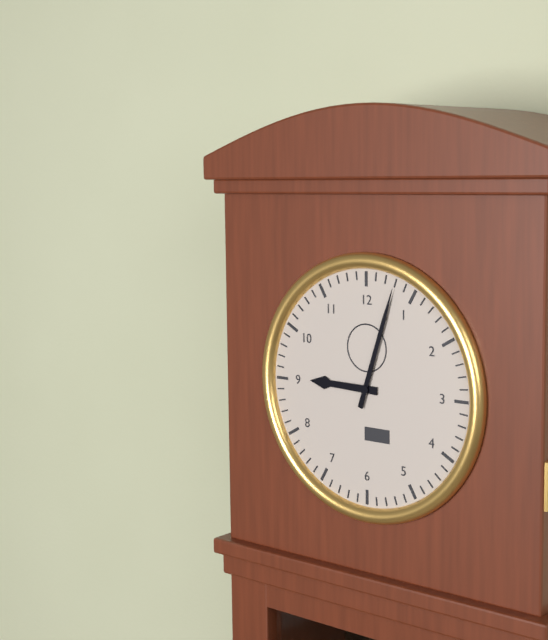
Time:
**9:03**
